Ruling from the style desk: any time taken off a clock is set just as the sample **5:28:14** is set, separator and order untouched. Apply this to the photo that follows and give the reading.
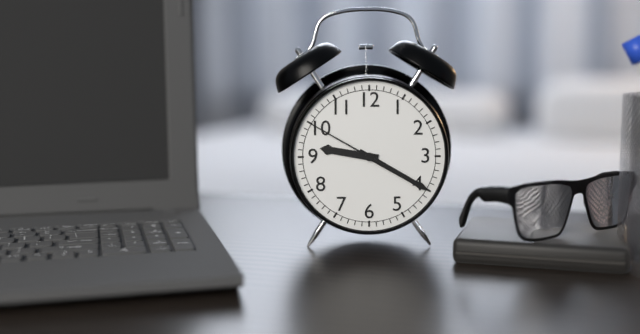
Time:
**9:20:50**
